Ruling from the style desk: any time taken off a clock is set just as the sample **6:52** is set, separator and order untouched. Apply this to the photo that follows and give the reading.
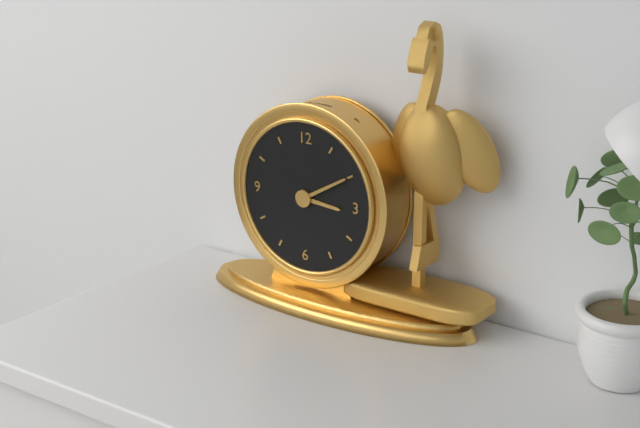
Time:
**3:10**
